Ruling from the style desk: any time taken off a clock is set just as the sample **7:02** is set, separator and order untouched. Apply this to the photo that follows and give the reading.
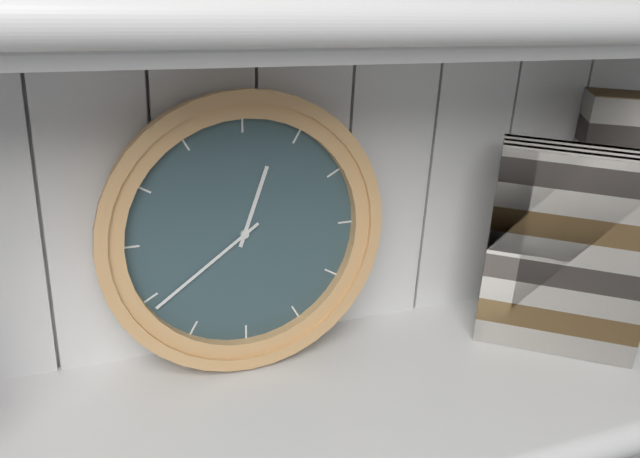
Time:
**12:39**
